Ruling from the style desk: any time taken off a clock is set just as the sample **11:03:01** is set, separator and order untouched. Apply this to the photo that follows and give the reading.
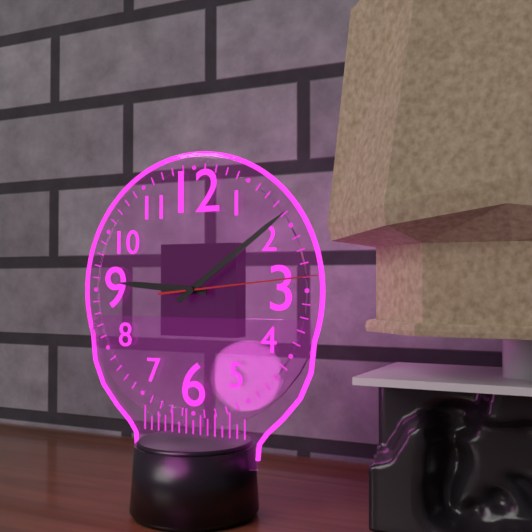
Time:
**9:09:14**
